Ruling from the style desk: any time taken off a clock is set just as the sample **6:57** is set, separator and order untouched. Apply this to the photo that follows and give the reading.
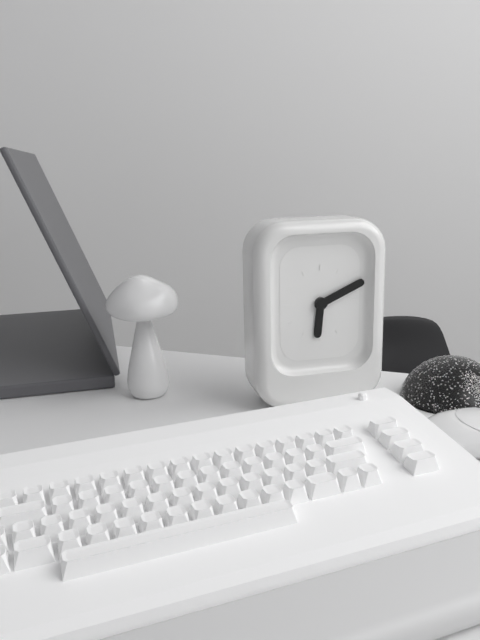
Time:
**6:11**
